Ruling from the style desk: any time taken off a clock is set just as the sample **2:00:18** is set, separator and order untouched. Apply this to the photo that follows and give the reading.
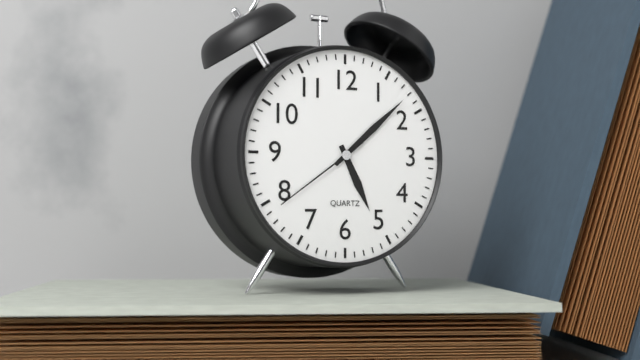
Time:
**5:08:39**
